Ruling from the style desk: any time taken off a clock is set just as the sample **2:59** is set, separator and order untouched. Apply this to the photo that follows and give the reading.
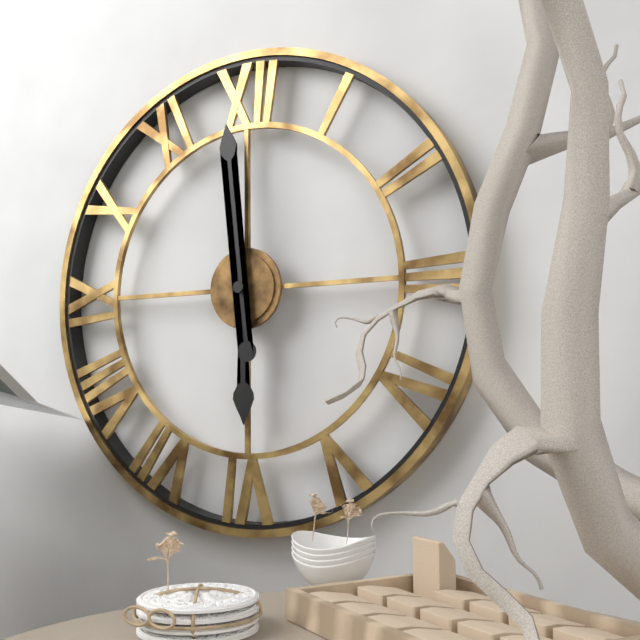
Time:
**5:59**
